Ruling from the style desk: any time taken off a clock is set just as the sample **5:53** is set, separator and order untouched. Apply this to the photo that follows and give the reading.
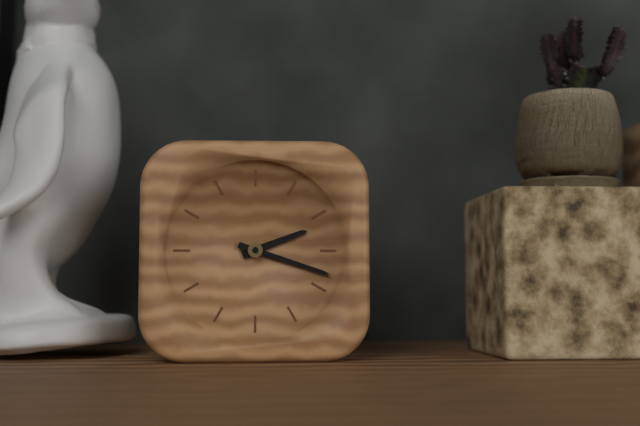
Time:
**2:18**
